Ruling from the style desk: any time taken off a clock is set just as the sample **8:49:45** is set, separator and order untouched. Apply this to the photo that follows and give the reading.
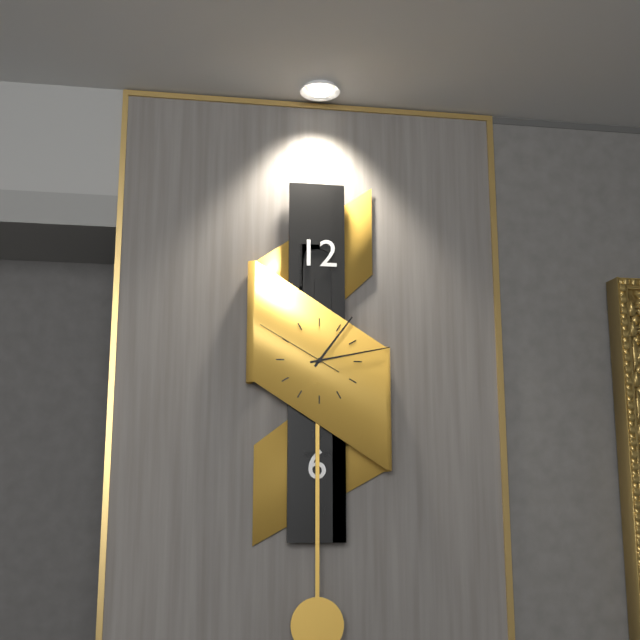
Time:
**1:13:50**
